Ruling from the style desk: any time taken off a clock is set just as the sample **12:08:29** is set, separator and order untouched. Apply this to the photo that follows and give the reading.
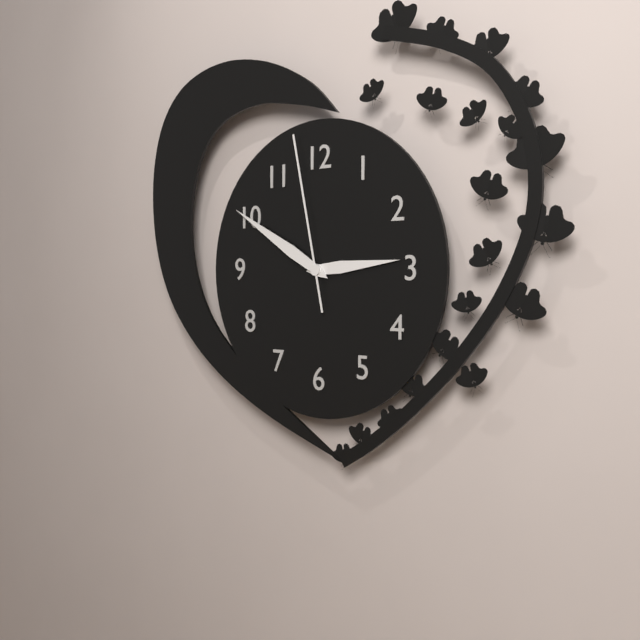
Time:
**2:50:58**
